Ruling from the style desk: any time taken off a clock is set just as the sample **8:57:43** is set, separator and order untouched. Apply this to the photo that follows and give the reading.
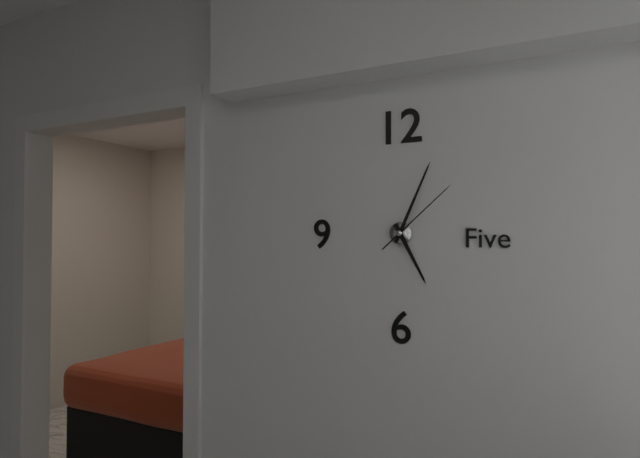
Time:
**5:04:08**
